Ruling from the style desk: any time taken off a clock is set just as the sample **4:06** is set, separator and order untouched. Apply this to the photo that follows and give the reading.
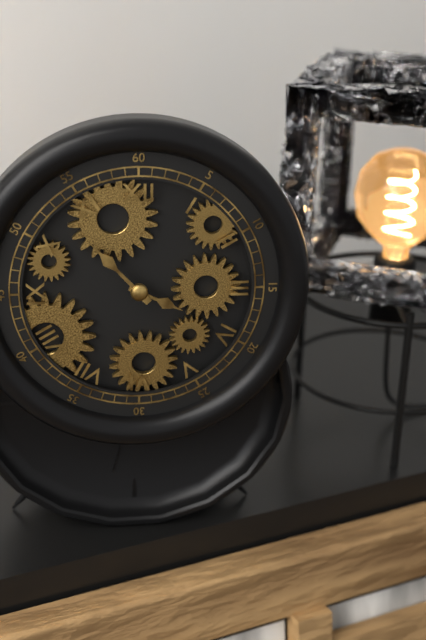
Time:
**3:53**
